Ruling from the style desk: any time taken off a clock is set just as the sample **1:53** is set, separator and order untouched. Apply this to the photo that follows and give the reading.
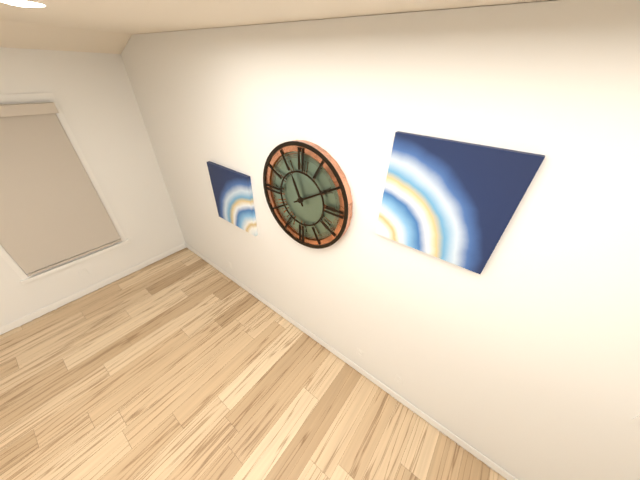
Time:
**11:10**
